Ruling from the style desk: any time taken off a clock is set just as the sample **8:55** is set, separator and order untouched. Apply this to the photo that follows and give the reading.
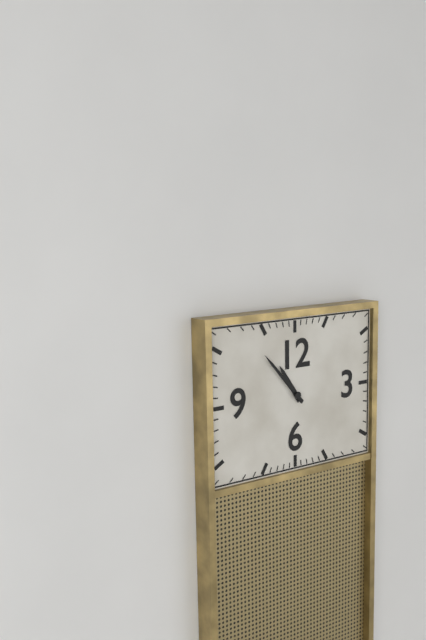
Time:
**10:53**
